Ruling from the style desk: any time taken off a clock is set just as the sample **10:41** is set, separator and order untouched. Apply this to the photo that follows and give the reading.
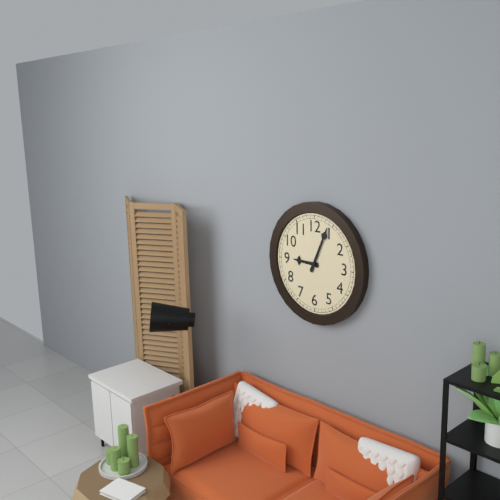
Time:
**9:04**
